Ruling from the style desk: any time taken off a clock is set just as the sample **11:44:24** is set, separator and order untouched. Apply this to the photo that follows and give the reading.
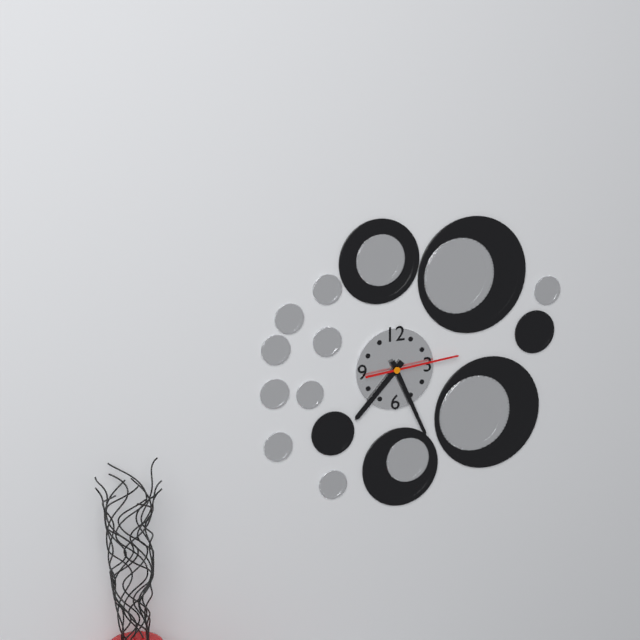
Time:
**7:26:14**
